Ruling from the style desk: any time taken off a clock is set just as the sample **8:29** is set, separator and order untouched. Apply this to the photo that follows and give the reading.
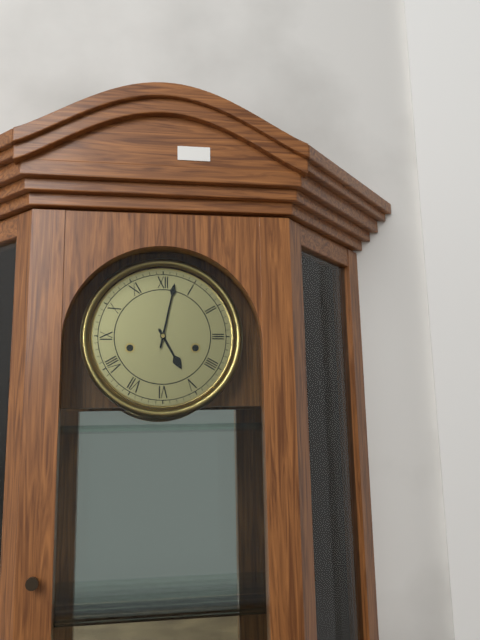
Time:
**5:02**
